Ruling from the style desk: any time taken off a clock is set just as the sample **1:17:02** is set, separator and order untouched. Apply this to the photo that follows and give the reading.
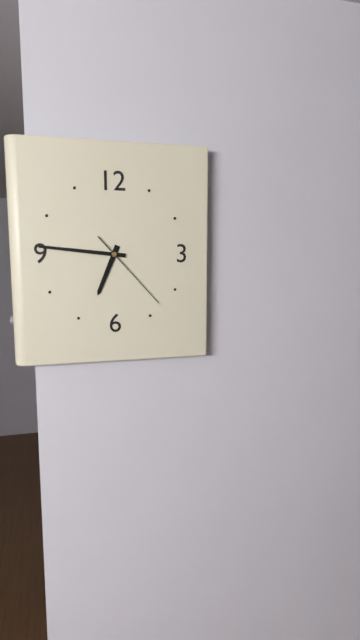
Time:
**6:46:23**
